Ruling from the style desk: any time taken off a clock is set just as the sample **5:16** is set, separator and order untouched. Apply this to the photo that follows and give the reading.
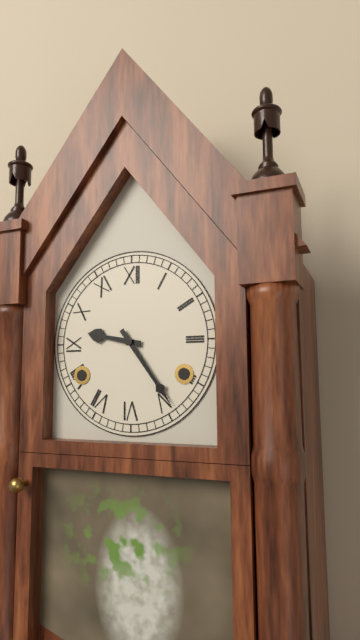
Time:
**9:24**
